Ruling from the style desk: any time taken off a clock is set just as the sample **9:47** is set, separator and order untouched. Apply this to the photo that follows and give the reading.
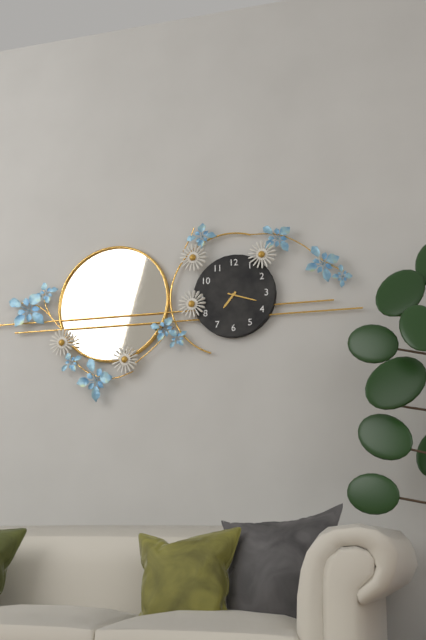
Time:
**7:18**
